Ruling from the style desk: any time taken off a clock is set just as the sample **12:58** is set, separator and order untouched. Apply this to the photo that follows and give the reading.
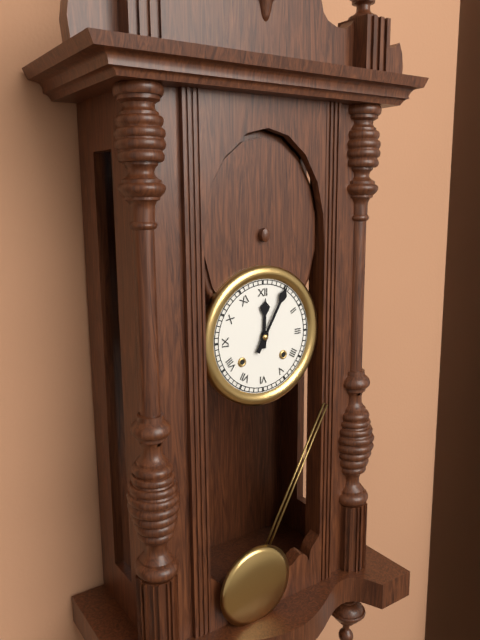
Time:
**12:05**
